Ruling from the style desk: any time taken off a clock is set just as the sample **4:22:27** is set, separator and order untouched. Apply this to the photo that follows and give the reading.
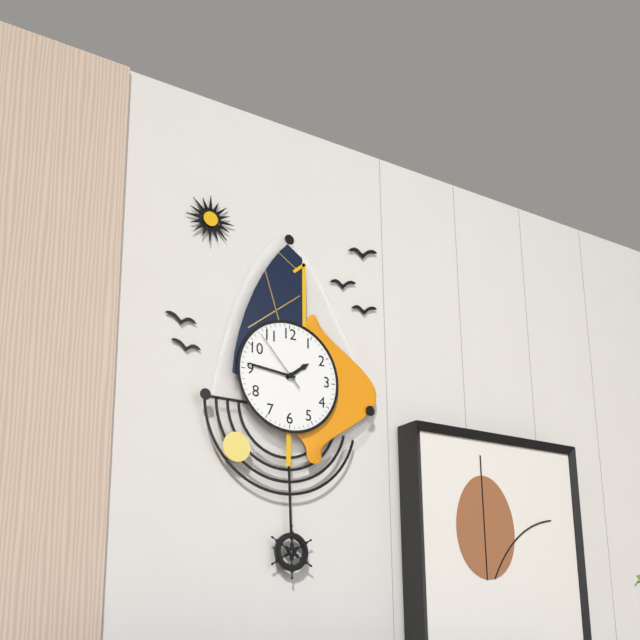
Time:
**1:46:53**
